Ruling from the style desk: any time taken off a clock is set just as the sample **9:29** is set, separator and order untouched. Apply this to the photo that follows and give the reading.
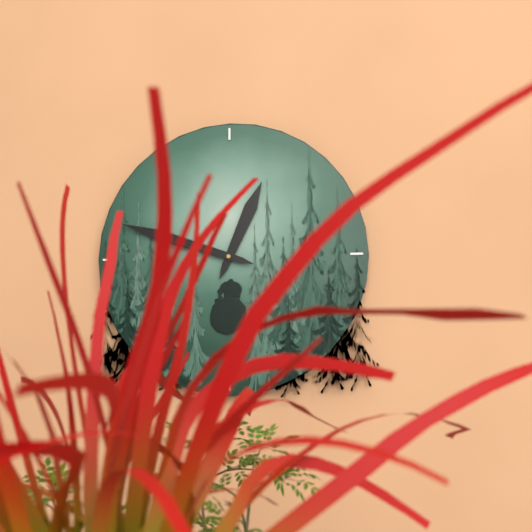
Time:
**12:48**
